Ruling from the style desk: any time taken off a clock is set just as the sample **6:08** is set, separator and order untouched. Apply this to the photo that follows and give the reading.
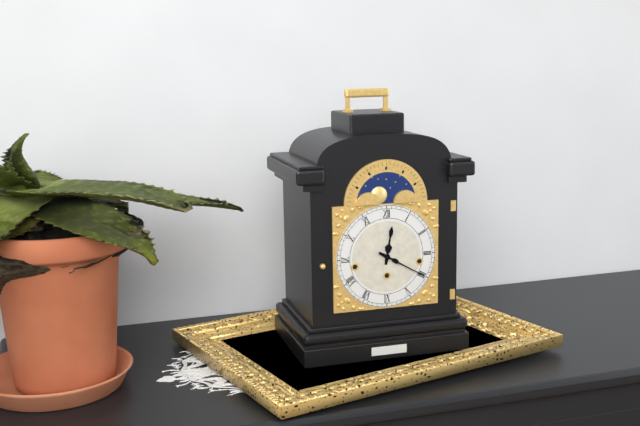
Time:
**12:20**
